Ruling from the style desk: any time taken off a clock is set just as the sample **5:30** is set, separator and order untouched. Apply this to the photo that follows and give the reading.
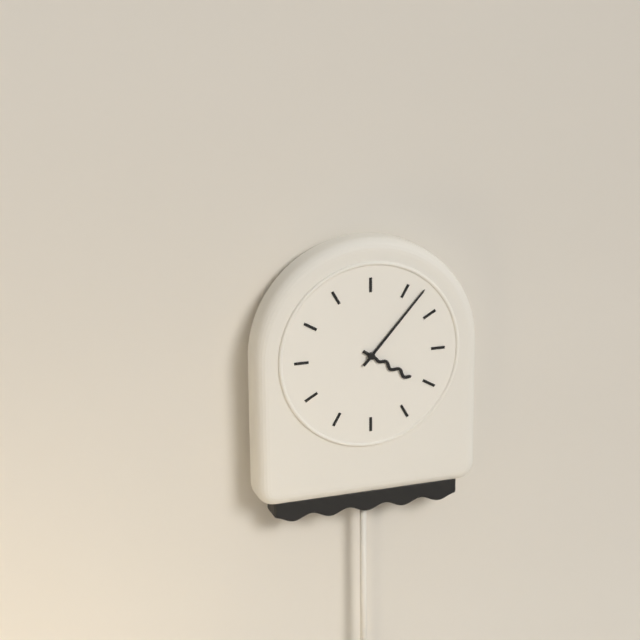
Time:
**4:07**
